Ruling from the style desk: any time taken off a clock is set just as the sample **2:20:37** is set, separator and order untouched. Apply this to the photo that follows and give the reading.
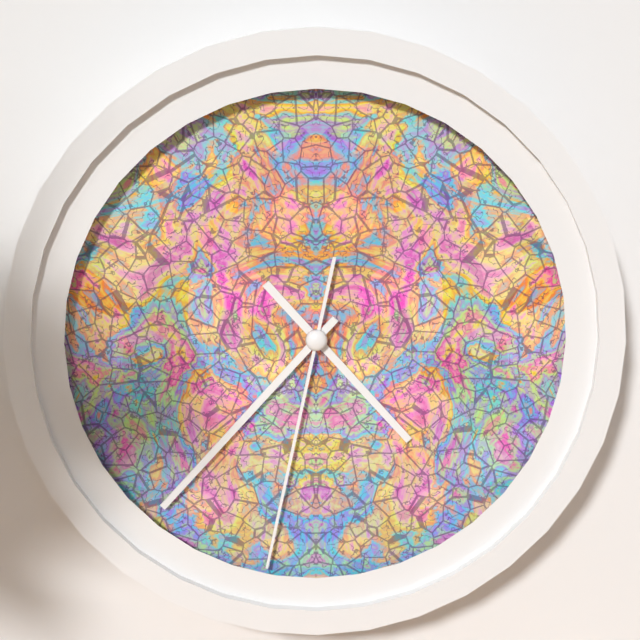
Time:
**4:37:32**
